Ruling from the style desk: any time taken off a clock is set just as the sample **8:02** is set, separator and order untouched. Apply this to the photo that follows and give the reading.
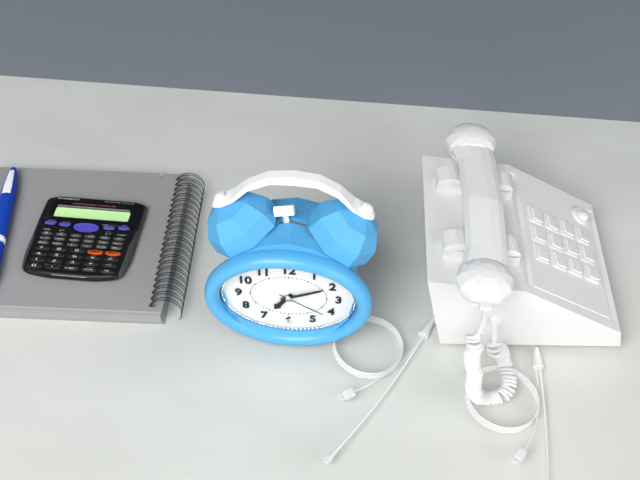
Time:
**7:11**
